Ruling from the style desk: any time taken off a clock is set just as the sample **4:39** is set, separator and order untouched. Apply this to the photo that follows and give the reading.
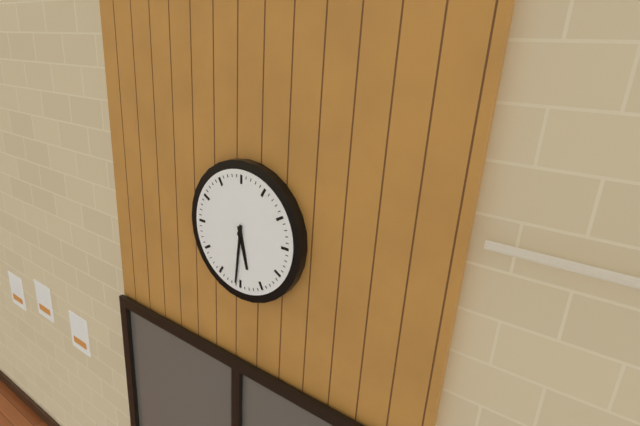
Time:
**5:31**
